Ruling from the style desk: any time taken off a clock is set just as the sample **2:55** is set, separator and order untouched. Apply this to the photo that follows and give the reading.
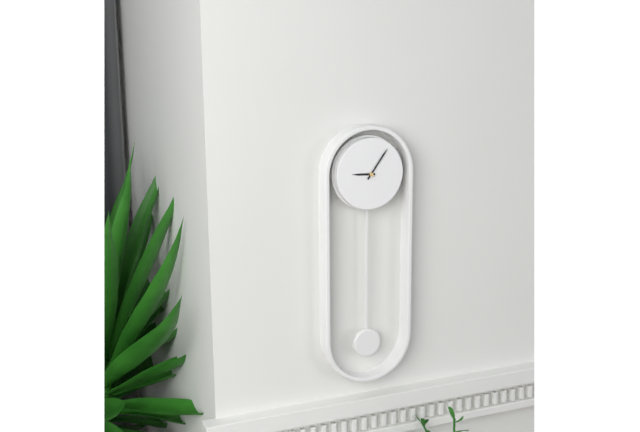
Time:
**9:06**
